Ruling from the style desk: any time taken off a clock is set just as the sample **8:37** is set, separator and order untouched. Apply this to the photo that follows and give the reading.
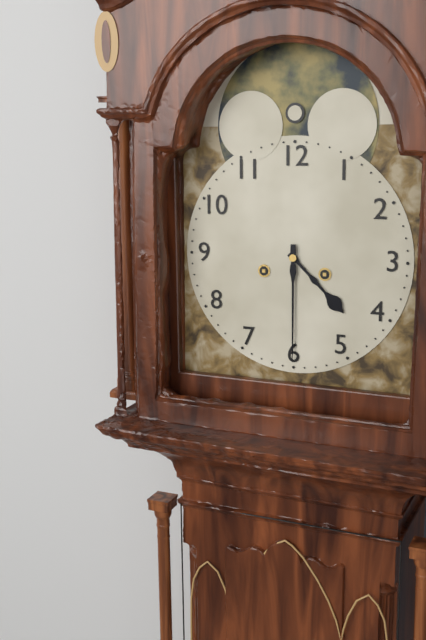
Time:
**4:30**
